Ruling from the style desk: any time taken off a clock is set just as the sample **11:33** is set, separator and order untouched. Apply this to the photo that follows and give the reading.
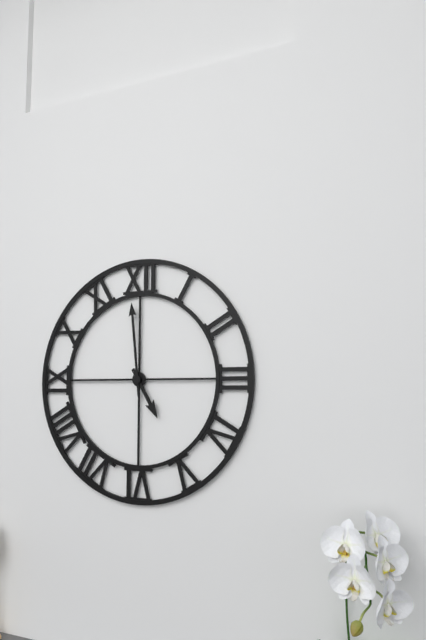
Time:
**4:59**
